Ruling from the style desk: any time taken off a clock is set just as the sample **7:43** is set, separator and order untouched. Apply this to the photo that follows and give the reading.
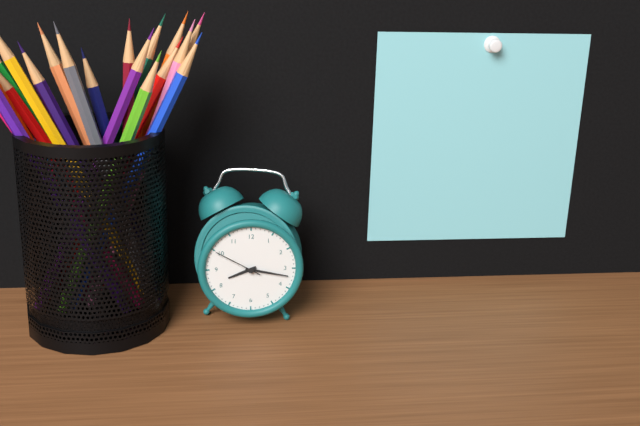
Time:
**8:17**
